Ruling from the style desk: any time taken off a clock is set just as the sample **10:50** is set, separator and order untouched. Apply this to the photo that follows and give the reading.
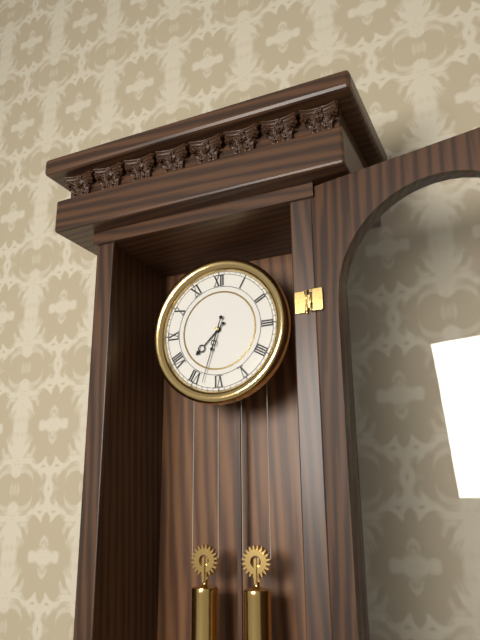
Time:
**7:33**
